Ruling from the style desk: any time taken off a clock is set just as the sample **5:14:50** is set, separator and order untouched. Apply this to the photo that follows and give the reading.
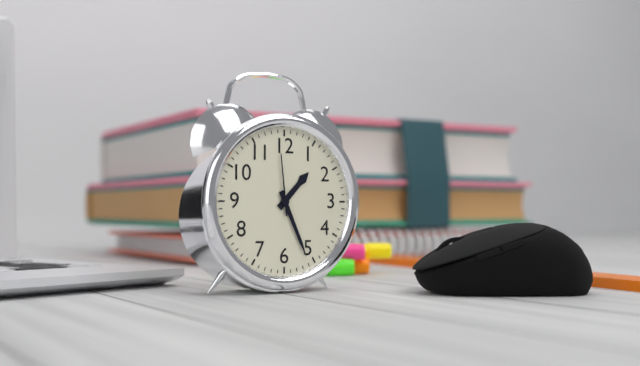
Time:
**1:26:59**
